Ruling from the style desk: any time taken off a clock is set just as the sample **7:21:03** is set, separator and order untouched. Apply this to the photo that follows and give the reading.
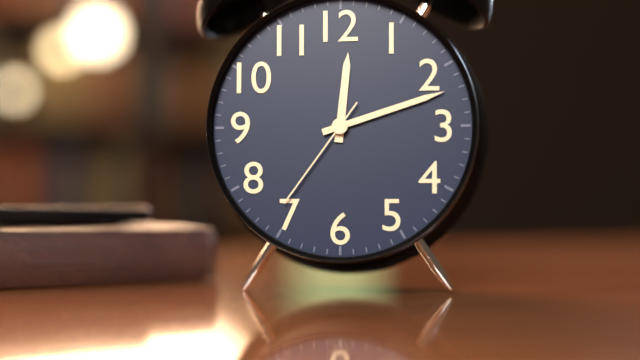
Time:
**12:12:36**
